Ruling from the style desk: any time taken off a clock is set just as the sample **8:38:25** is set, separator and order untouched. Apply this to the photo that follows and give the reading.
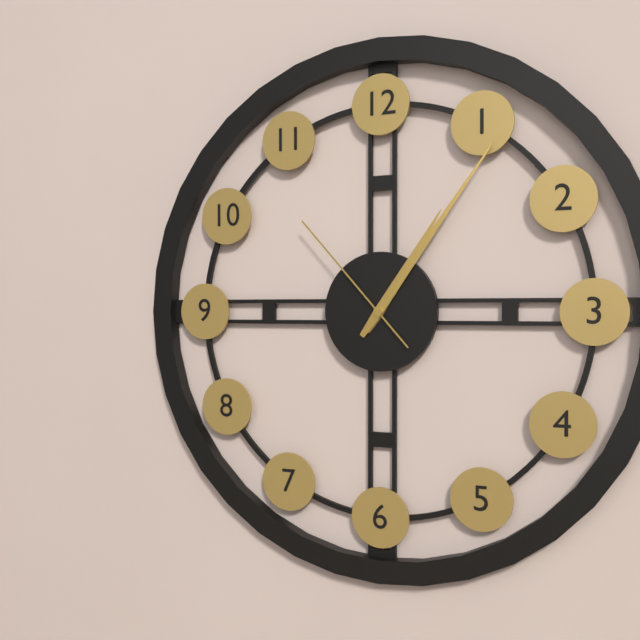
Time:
**1:06:53**
